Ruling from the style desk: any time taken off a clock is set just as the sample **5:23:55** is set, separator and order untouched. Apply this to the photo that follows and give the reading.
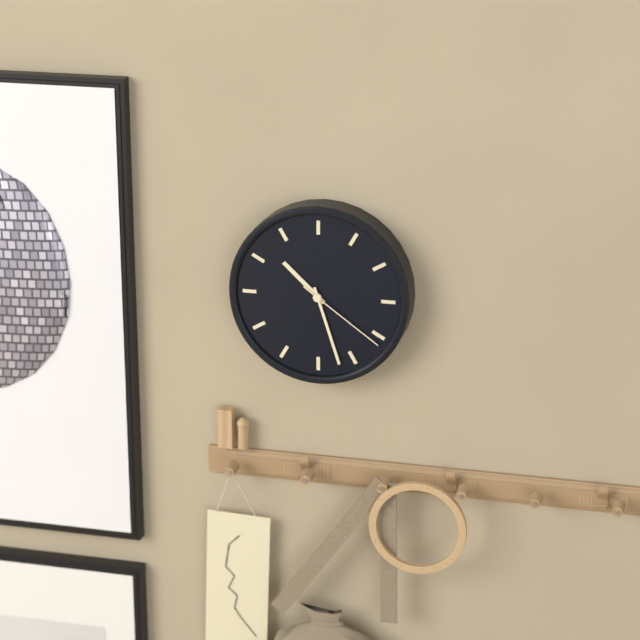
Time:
**10:27:21**
